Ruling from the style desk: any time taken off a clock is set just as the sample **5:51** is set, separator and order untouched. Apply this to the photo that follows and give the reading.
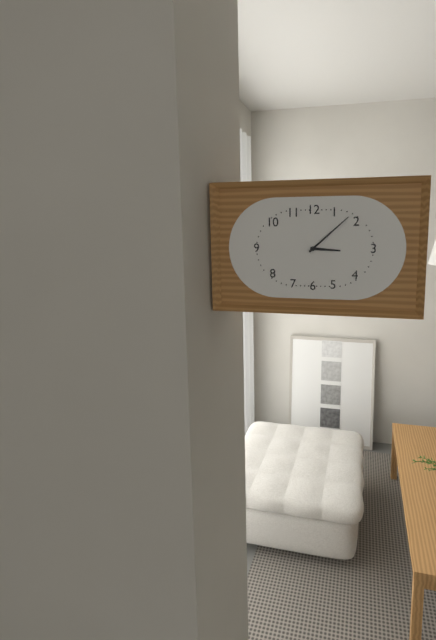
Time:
**3:08**
